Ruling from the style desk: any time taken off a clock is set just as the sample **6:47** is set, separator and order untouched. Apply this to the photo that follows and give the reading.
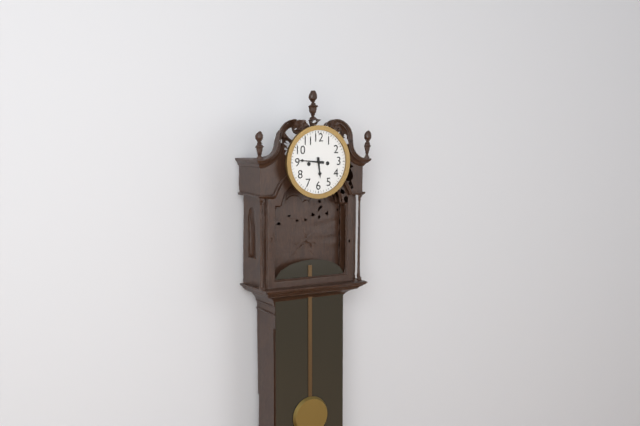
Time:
**5:46**
